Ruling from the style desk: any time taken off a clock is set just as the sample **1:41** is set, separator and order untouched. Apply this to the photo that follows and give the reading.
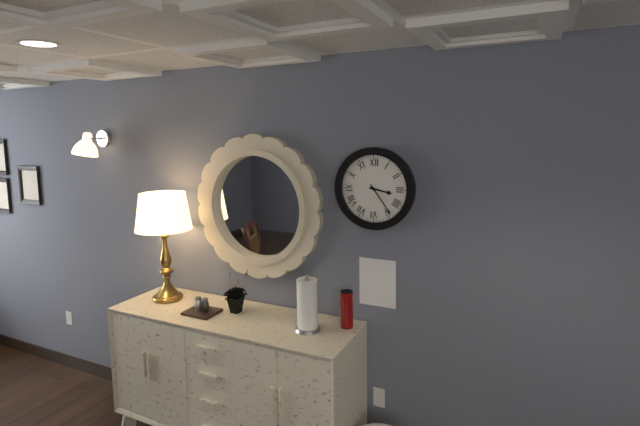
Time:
**3:24**
